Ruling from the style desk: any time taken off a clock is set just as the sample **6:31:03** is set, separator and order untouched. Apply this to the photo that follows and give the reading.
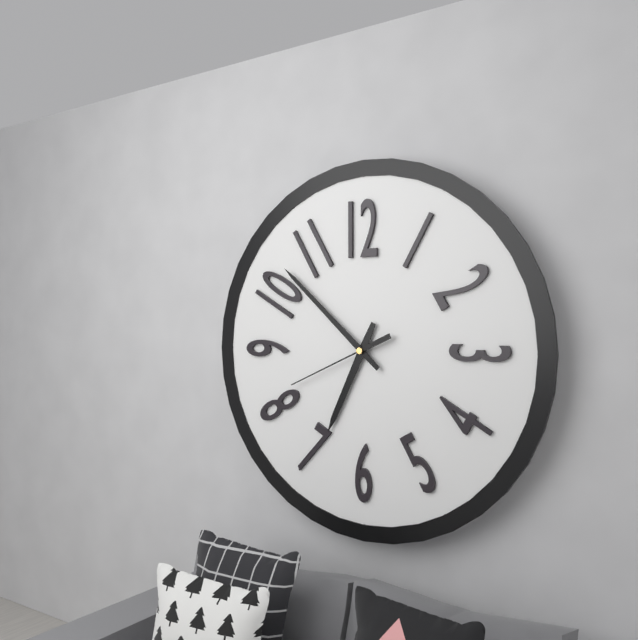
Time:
**6:52:41**
